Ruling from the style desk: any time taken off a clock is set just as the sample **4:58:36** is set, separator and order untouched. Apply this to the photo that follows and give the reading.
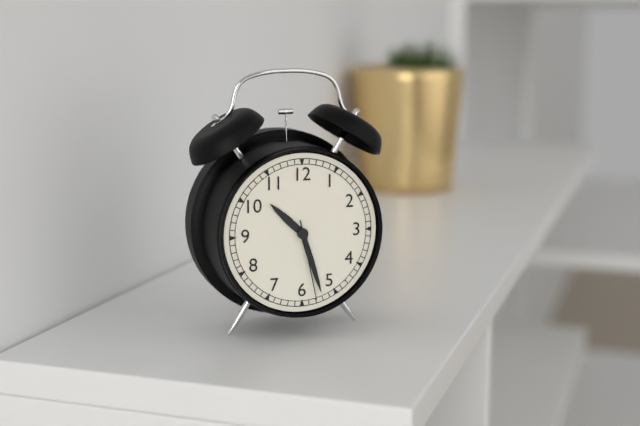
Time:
**10:27:28**
